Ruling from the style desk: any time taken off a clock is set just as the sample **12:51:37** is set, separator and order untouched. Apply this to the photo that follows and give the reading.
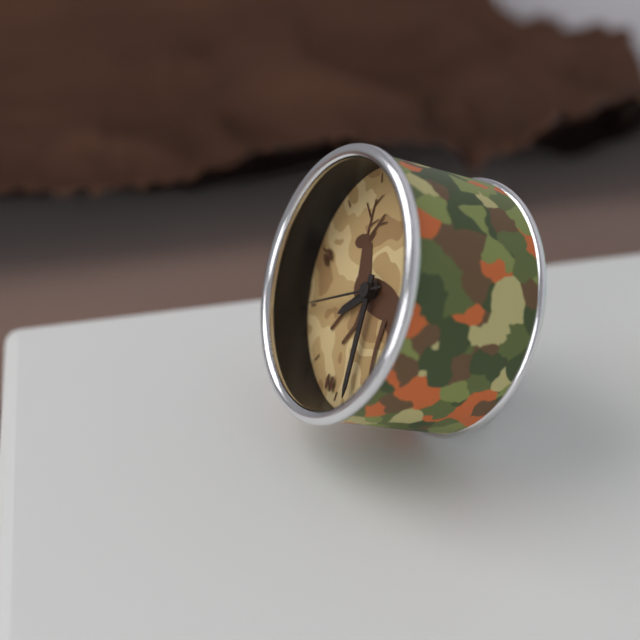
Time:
**7:28:40**
